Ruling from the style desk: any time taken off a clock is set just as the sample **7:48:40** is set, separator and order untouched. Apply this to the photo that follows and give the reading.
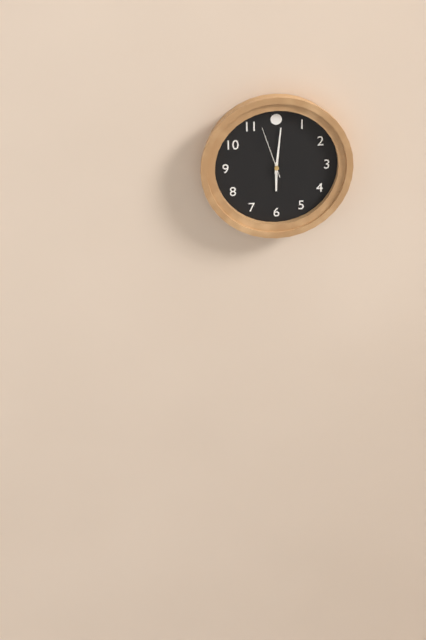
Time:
**6:01:57**
